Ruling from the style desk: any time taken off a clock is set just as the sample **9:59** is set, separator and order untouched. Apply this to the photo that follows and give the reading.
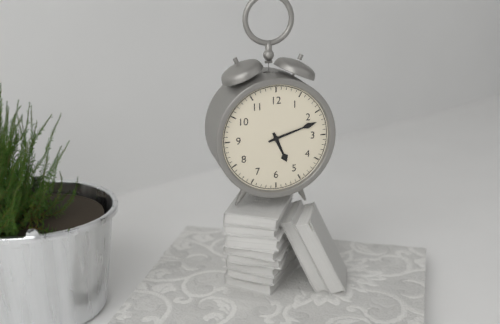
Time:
**5:12**
